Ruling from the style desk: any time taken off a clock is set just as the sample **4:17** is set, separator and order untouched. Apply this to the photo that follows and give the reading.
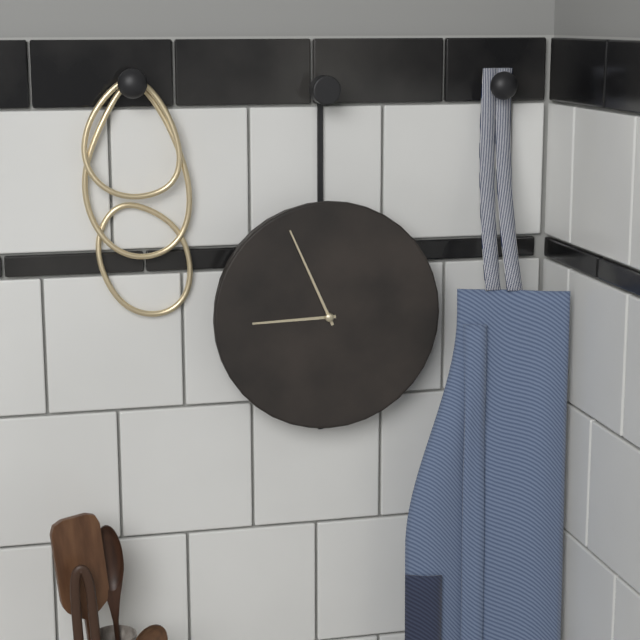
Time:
**8:56**
